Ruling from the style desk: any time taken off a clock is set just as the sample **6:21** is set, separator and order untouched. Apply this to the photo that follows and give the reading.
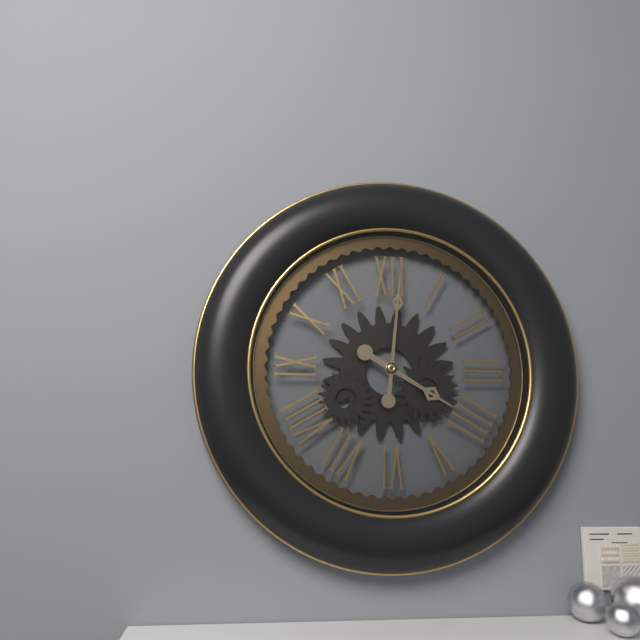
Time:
**4:01**
